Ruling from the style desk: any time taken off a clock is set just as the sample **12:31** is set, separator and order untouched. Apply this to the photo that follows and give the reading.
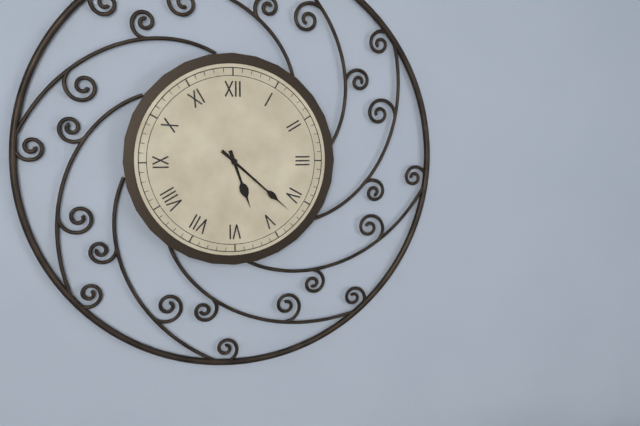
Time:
**5:22**
